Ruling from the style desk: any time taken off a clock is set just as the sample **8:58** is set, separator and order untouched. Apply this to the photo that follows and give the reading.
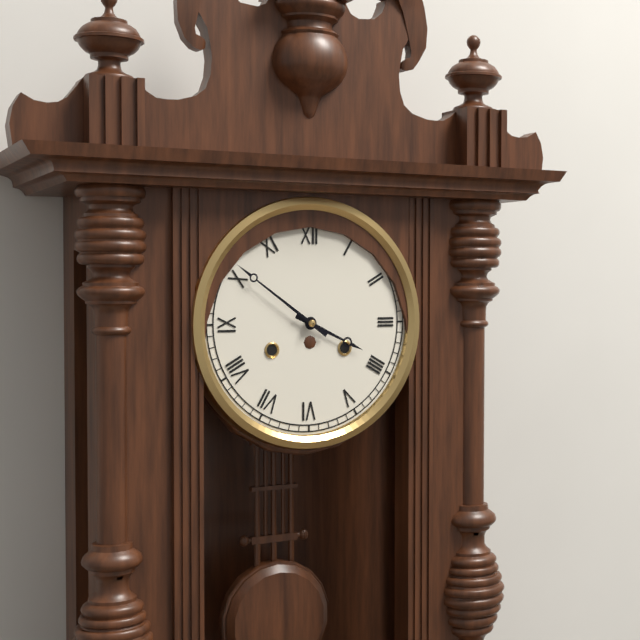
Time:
**3:51**
